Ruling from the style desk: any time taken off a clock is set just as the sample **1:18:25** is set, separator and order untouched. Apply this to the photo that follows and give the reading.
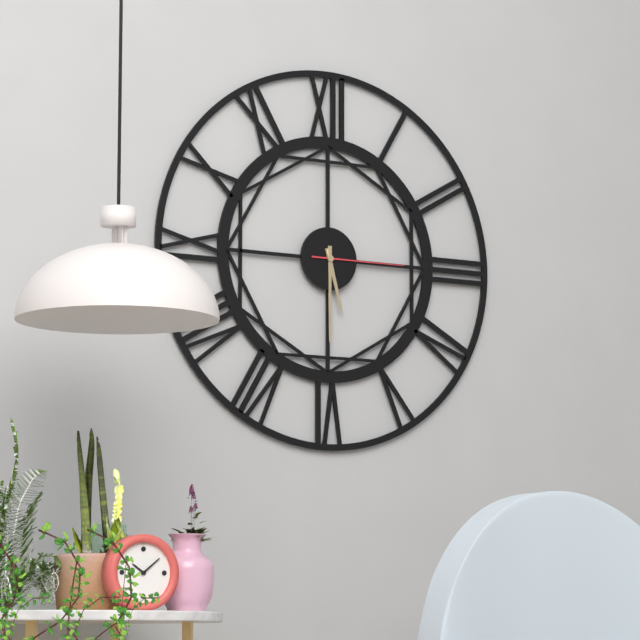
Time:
**5:30:15**
